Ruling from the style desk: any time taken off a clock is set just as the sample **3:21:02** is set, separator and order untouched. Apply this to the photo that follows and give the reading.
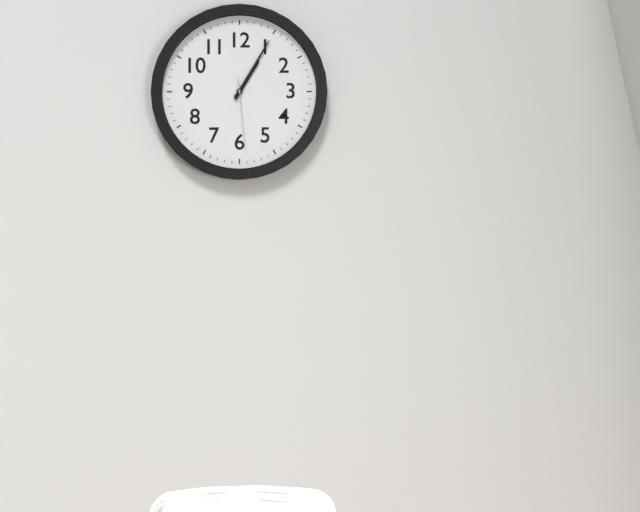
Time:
**1:05:29**
